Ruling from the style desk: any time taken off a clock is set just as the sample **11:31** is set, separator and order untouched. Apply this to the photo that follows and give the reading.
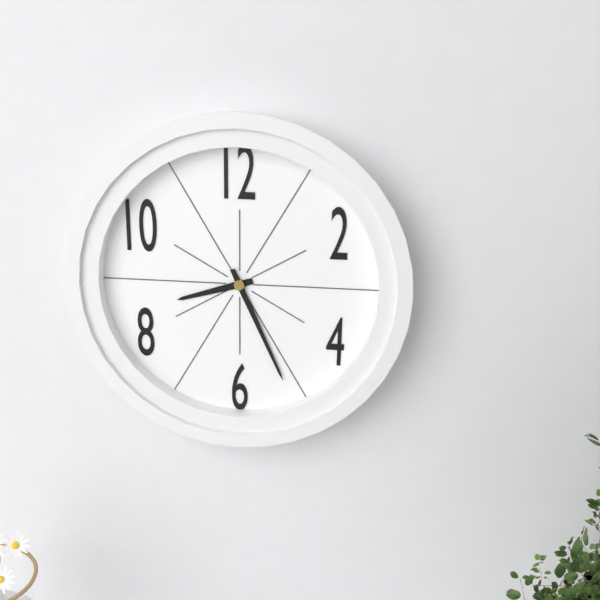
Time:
**8:26**
